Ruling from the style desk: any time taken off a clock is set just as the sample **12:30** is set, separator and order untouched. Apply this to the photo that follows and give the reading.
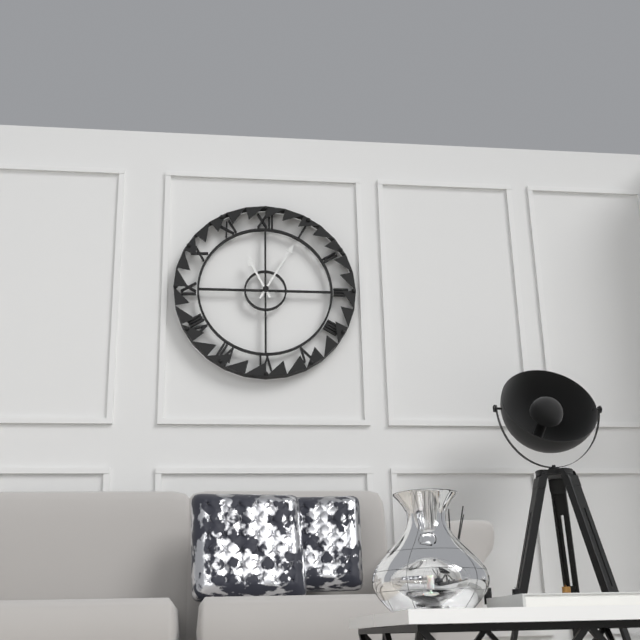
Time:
**11:05**
